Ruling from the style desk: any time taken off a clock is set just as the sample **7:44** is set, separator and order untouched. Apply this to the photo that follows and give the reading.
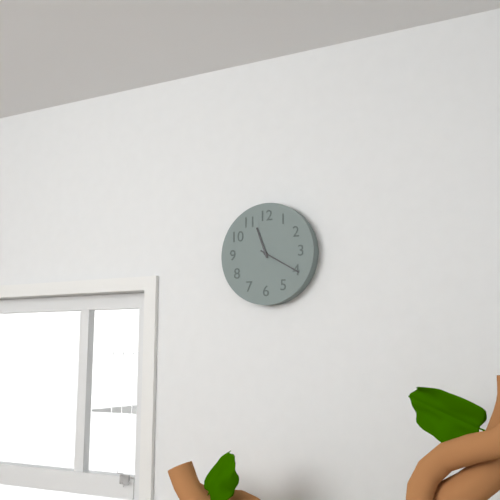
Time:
**11:20**
